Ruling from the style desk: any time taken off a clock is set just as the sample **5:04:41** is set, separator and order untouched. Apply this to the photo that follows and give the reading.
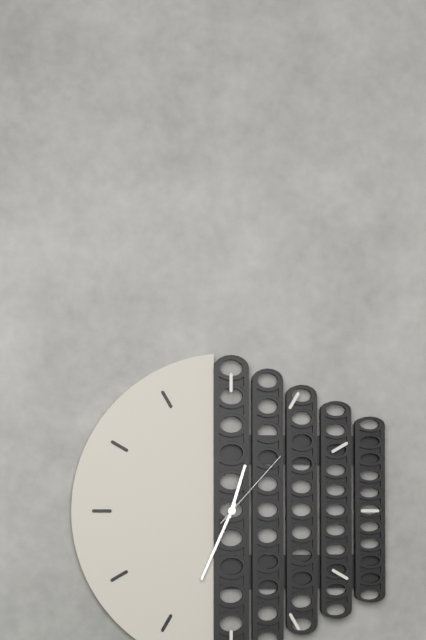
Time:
**12:34:07**
